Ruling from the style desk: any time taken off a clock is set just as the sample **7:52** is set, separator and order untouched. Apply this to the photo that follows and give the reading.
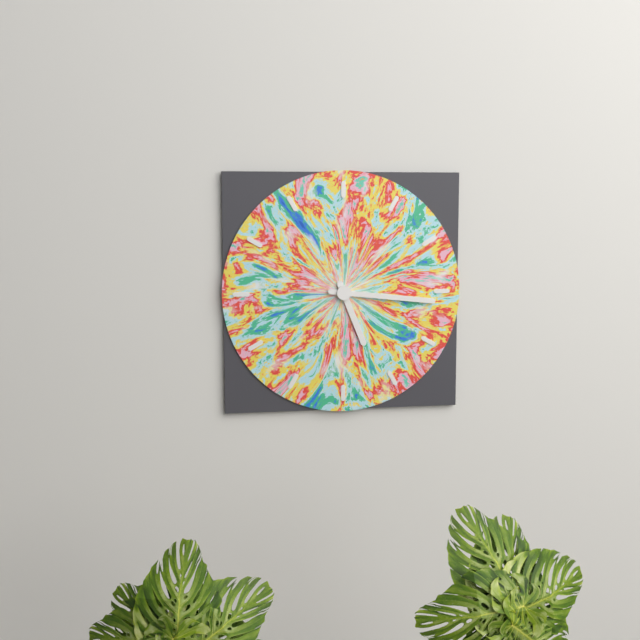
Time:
**5:16**
